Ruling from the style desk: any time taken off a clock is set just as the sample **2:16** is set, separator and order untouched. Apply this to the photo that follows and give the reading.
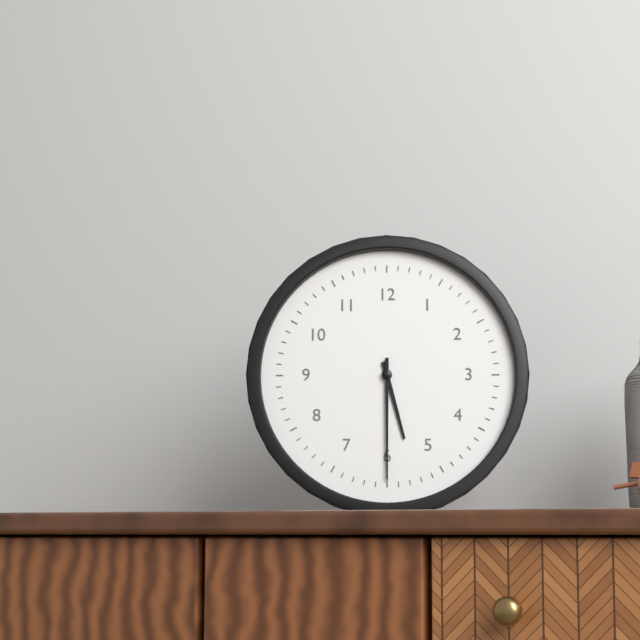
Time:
**5:30**
